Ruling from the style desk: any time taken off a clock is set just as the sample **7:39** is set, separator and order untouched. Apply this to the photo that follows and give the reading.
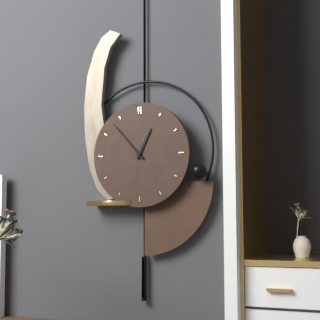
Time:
**12:53**
